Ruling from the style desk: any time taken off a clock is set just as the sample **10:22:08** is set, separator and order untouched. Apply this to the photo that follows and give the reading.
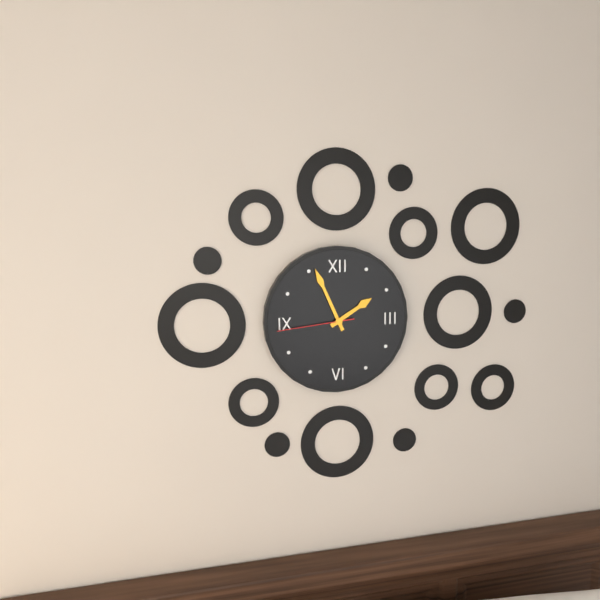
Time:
**1:56:44**
